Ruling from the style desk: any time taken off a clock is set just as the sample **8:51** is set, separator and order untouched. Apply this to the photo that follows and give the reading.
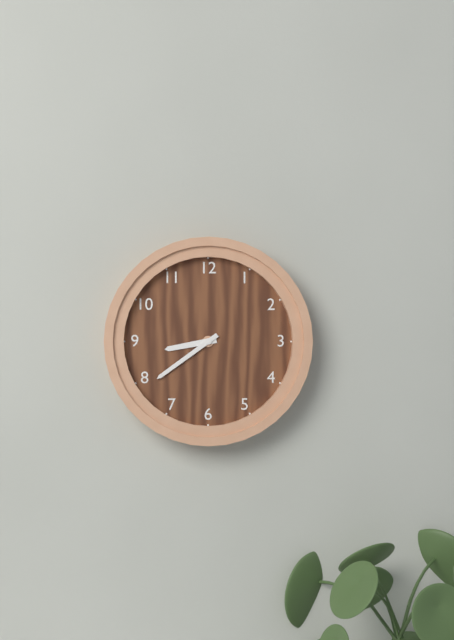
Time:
**8:39**
